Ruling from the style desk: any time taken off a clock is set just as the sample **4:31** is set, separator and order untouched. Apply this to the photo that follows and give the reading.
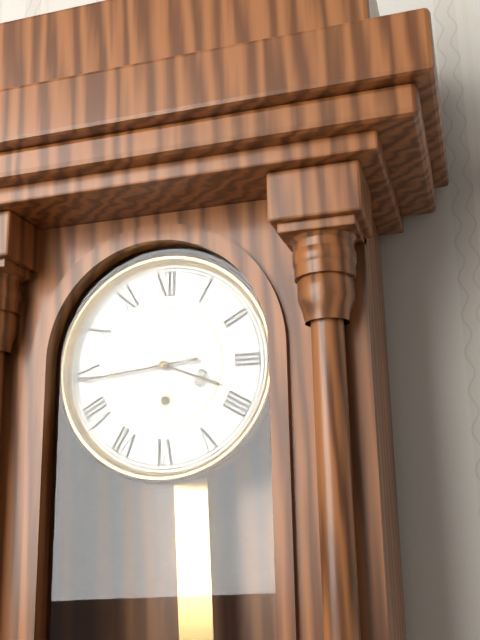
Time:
**3:44**
